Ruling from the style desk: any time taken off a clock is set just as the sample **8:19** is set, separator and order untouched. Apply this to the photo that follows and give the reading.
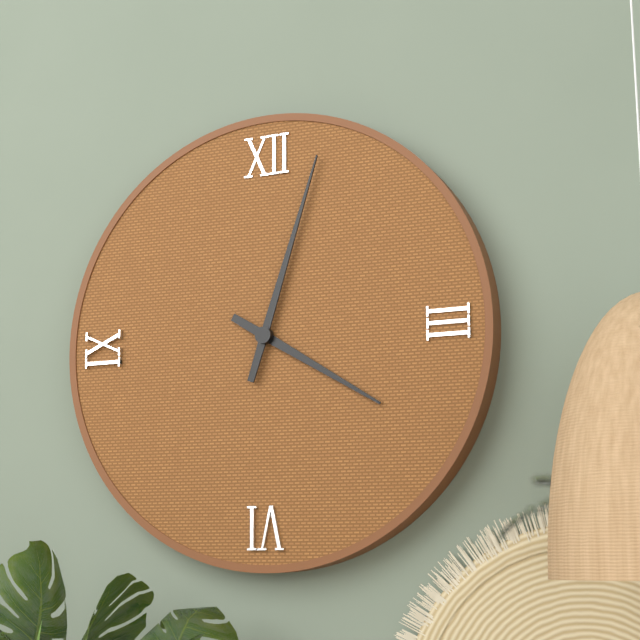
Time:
**4:03**
